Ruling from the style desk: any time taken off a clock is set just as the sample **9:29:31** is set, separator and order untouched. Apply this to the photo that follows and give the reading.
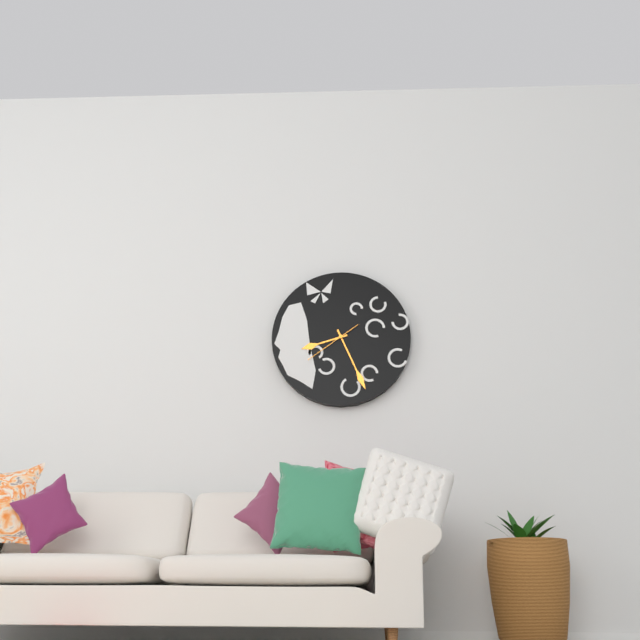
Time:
**8:26:39**
